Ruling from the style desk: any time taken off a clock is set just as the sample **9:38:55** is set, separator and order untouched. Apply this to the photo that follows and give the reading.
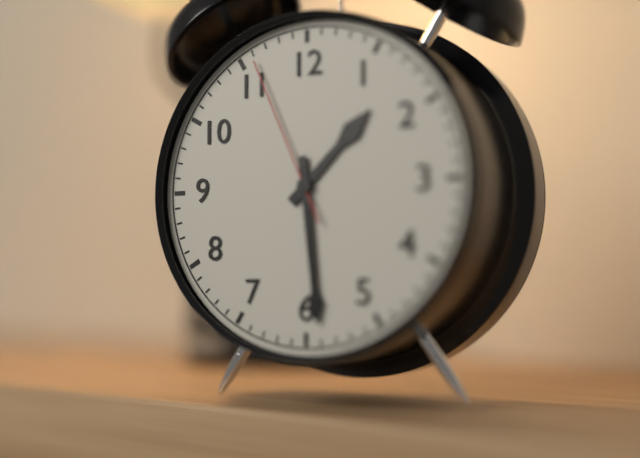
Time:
**1:29:56**
